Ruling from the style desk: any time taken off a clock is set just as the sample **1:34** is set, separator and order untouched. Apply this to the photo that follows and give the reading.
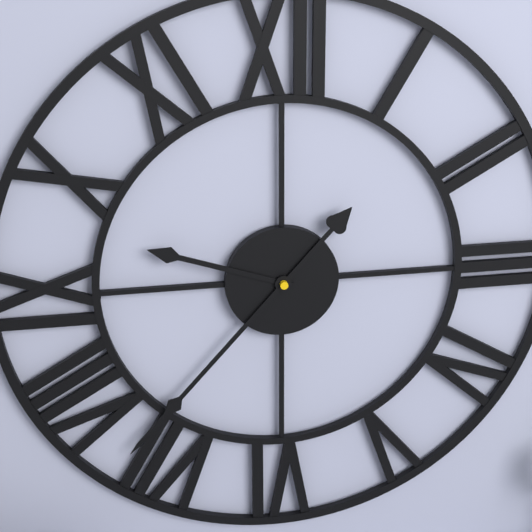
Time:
**9:37**
